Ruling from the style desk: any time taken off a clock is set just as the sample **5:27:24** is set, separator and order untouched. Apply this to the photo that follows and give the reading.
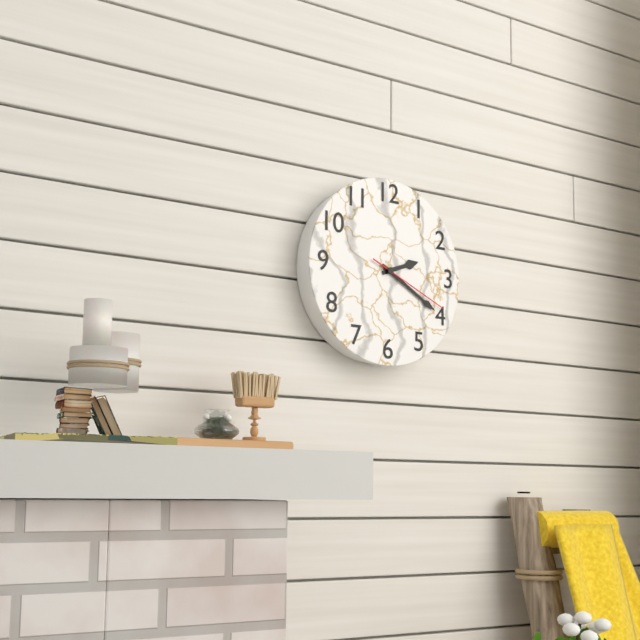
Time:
**2:20:19**
